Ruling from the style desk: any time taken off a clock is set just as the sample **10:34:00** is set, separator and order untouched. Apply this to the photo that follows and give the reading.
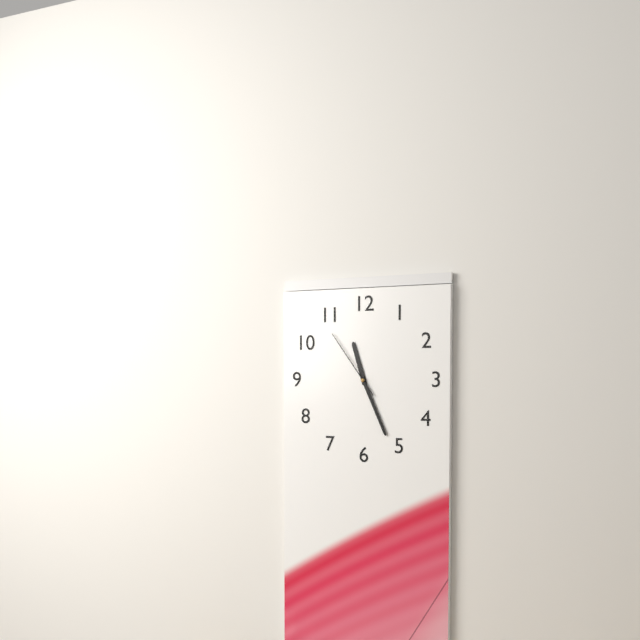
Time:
**11:26:54**
